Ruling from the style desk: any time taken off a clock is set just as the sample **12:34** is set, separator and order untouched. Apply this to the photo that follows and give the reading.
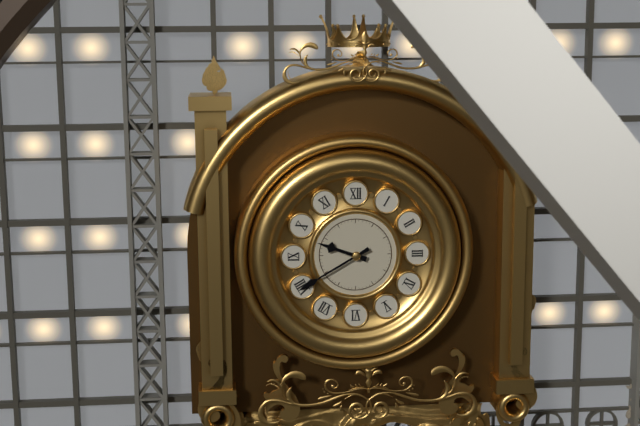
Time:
**9:40**
